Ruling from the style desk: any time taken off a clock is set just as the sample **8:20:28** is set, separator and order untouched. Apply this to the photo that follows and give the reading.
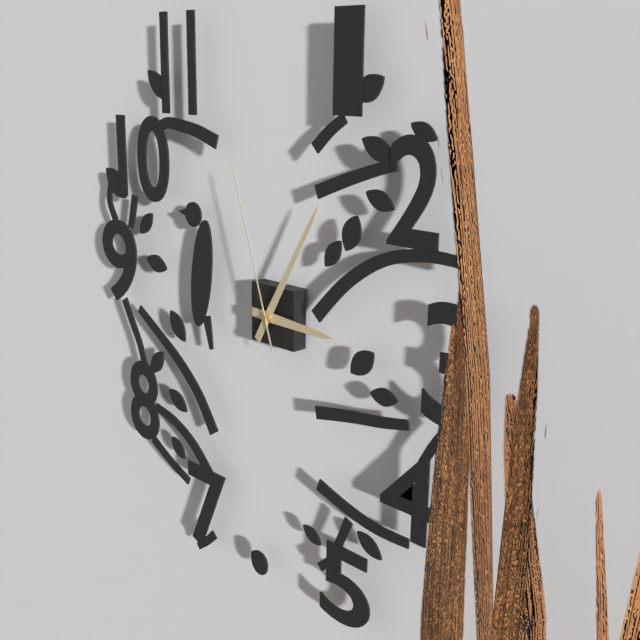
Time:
**3:05:57**
